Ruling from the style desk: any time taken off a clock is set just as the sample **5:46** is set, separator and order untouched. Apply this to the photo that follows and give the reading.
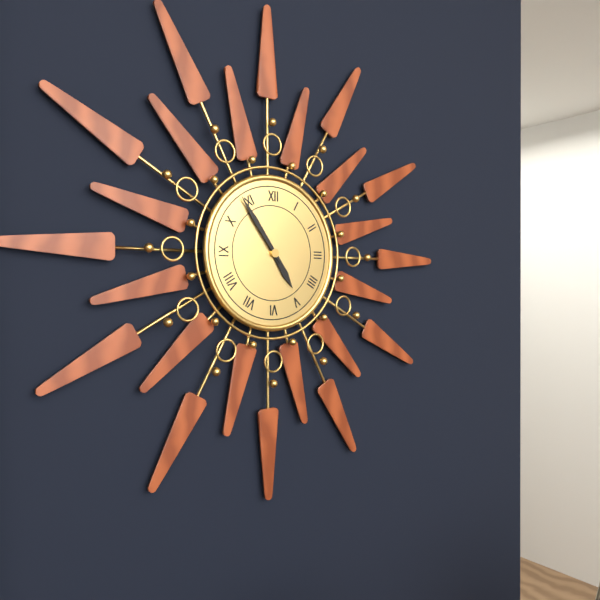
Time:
**4:54**
